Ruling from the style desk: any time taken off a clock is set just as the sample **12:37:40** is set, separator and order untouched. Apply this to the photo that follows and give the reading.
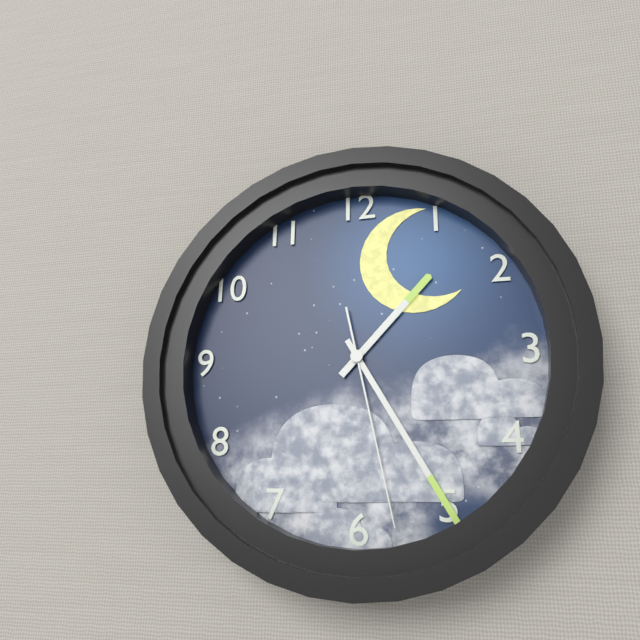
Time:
**1:25:28**
